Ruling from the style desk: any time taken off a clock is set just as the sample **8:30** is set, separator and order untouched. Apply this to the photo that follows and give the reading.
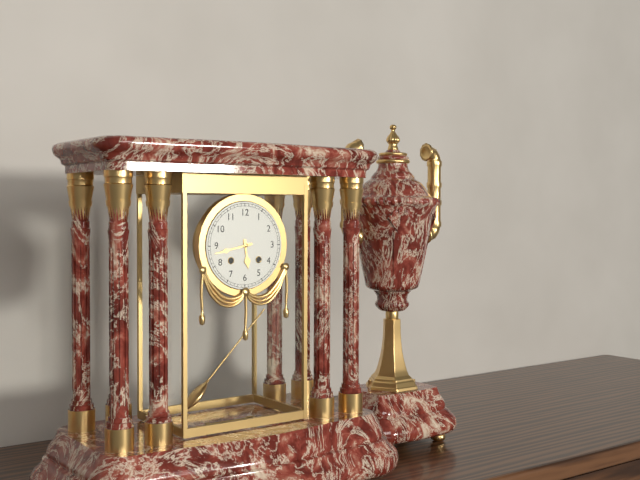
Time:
**5:43**
